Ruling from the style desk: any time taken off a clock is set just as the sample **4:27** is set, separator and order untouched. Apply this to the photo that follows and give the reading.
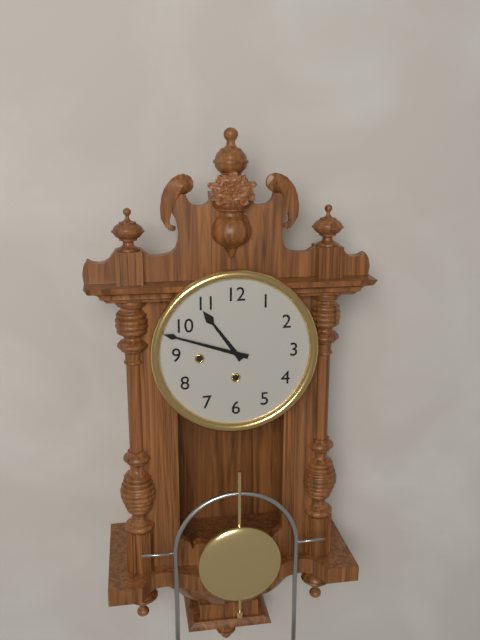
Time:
**10:48**
